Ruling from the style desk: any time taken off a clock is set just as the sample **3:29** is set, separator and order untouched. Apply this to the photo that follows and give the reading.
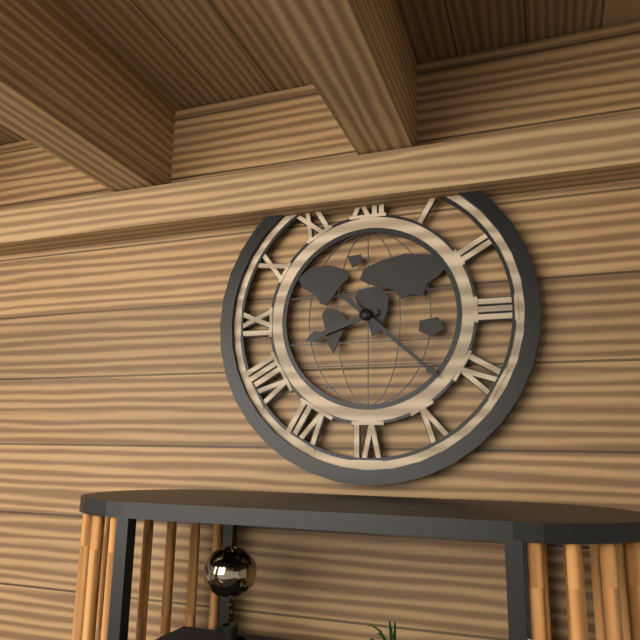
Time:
**8:22**
